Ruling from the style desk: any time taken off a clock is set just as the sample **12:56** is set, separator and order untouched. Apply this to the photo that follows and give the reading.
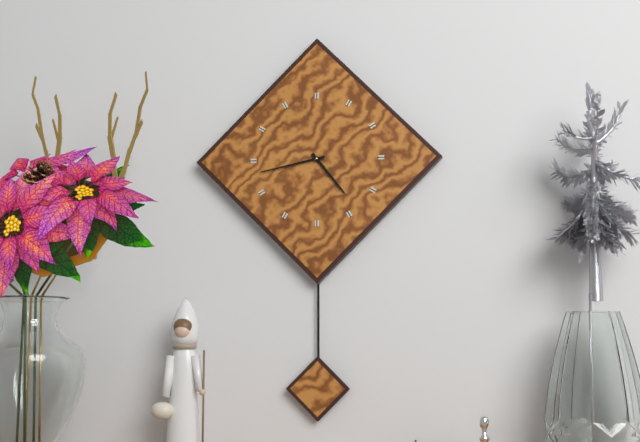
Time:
**4:43**
